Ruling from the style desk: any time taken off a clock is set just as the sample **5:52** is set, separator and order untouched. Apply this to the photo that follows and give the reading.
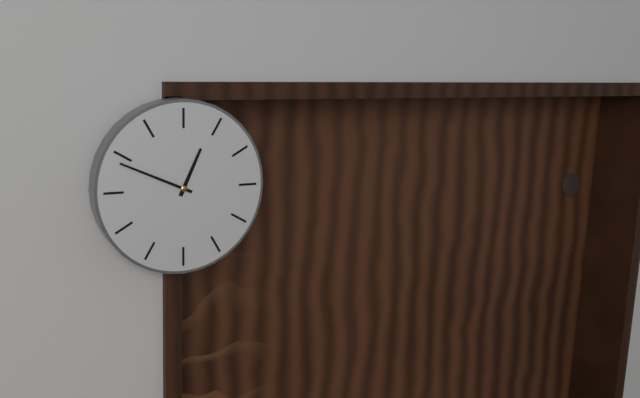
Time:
**12:49**
